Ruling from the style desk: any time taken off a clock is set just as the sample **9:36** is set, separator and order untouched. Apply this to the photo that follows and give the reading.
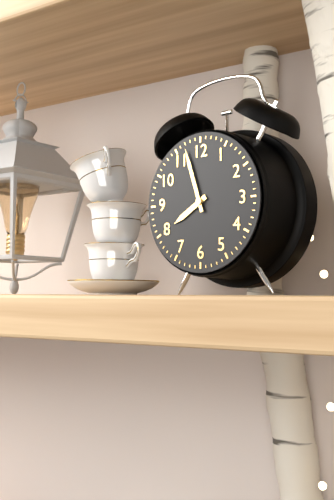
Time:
**7:57**
